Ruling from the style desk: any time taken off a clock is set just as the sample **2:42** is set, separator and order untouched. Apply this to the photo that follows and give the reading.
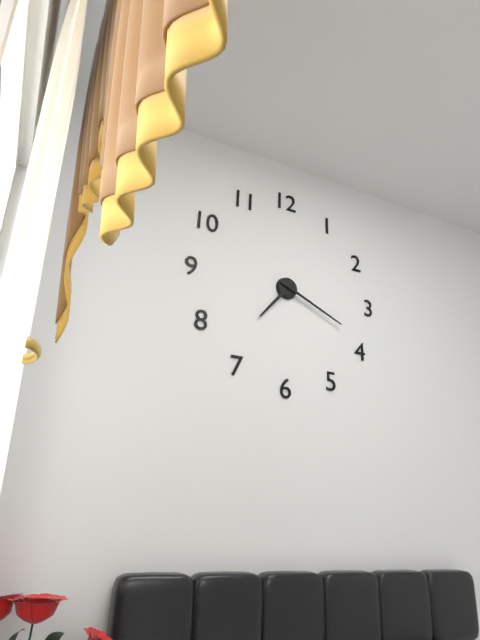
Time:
**7:19**
